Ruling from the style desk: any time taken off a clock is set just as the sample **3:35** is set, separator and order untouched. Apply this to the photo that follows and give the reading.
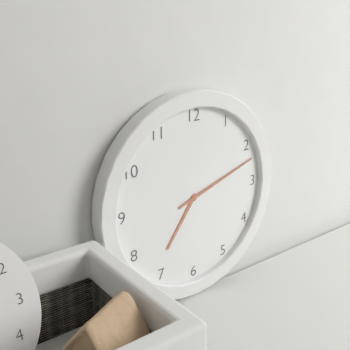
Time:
**7:12**
